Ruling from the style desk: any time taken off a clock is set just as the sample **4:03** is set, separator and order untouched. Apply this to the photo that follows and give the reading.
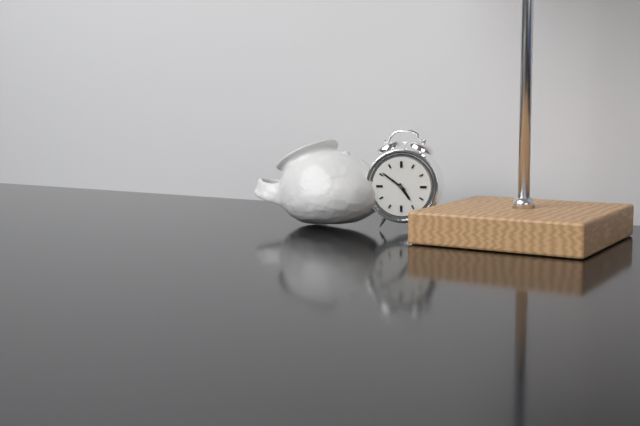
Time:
**4:51**
